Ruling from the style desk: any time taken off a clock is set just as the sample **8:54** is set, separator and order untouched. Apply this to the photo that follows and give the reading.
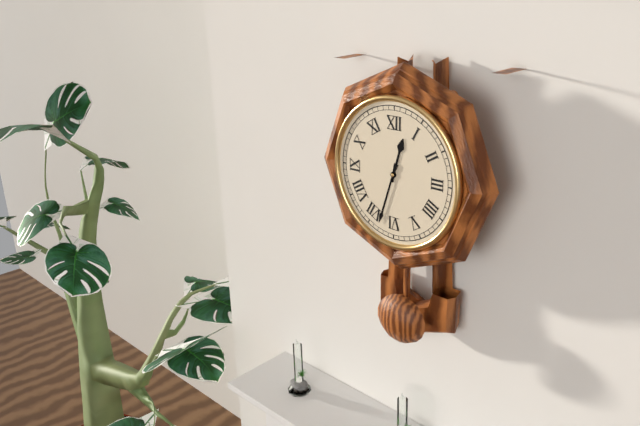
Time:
**12:33**
